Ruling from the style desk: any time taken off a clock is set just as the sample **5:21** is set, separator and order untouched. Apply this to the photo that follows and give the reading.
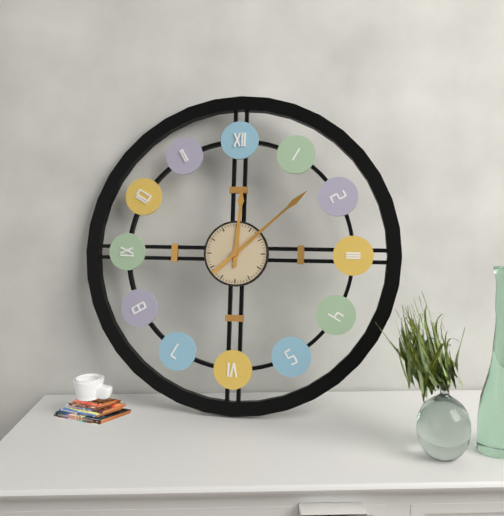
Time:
**12:08**
